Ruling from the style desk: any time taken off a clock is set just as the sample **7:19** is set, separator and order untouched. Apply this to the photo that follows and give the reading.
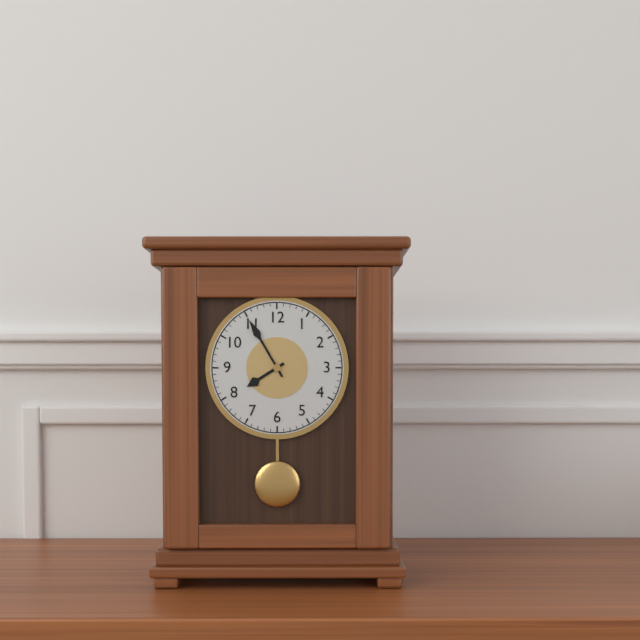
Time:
**7:55**
